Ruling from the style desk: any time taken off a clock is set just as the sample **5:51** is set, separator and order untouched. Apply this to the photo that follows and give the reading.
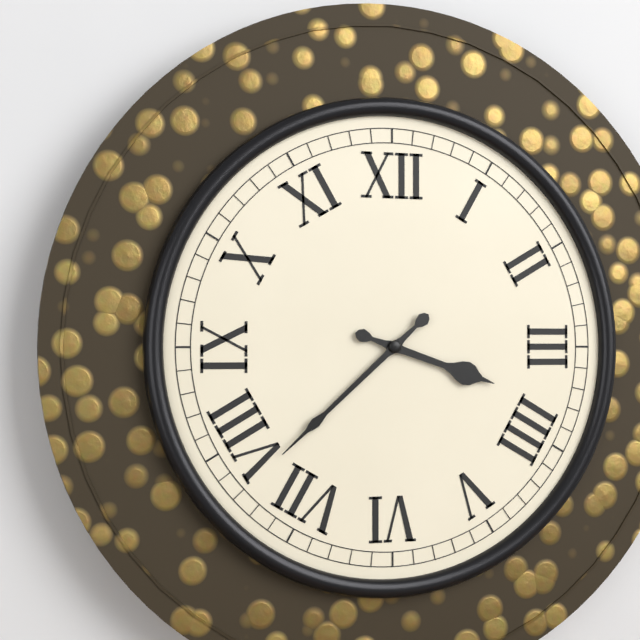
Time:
**3:38**
